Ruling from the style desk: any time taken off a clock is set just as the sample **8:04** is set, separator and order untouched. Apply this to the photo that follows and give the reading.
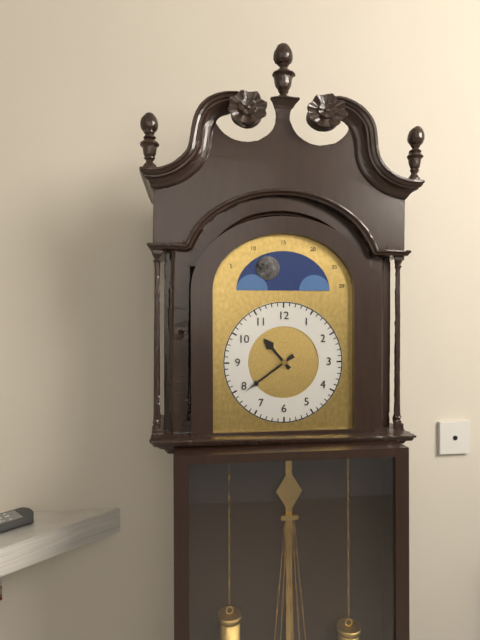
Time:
**10:39**
